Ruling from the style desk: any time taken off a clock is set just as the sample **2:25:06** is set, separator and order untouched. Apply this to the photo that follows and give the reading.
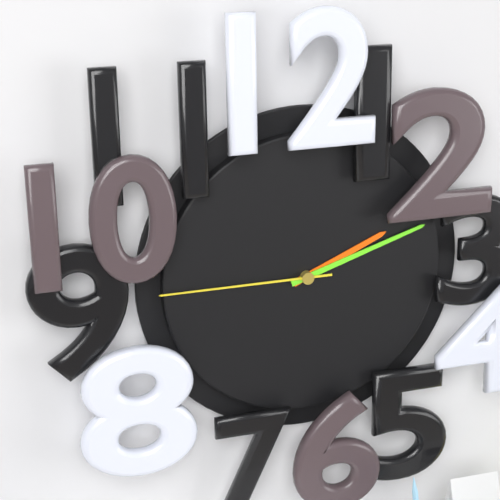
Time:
**2:12:45**
